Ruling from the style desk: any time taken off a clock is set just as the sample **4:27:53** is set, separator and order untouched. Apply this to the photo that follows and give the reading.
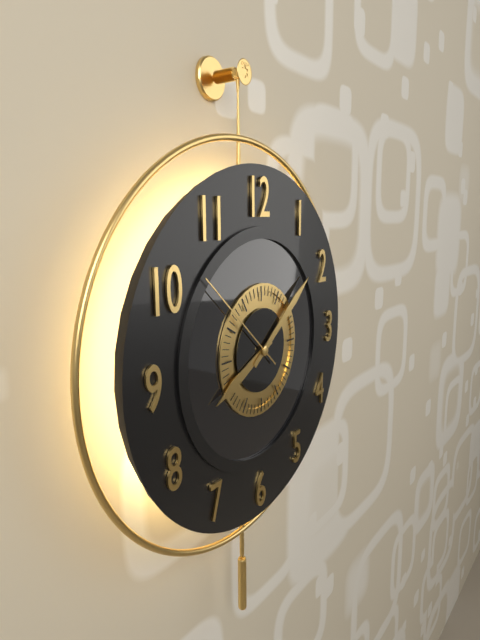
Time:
**8:09:52**
